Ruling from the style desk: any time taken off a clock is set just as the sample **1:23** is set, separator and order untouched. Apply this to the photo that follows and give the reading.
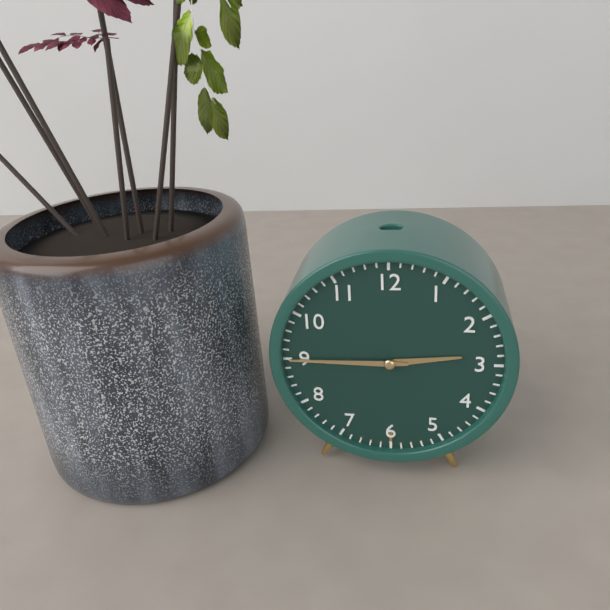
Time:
**2:45**
